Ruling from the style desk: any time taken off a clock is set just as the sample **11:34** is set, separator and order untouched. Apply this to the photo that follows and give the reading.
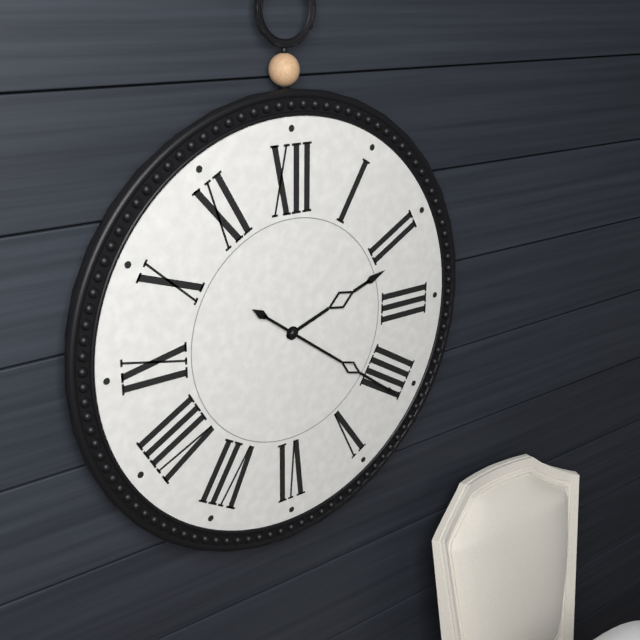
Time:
**2:21**
